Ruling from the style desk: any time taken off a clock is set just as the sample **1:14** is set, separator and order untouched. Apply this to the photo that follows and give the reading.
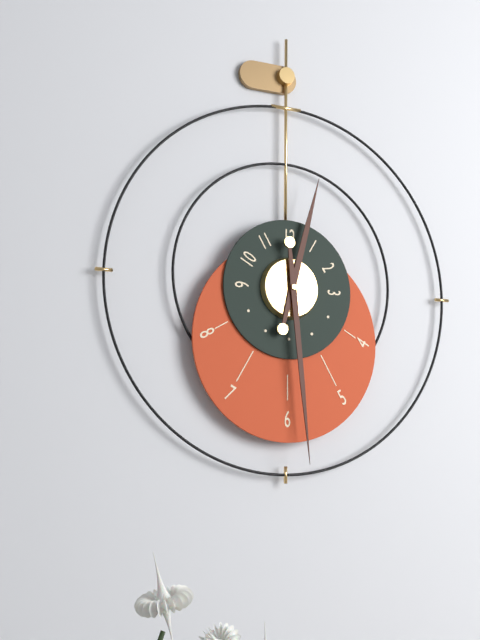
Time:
**12:29**
